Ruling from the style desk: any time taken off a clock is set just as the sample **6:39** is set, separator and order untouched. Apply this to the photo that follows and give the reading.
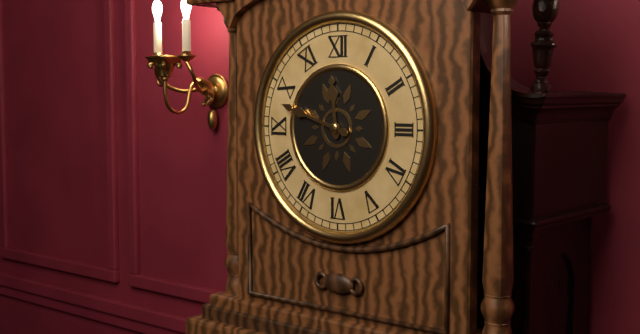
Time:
**11:48**
